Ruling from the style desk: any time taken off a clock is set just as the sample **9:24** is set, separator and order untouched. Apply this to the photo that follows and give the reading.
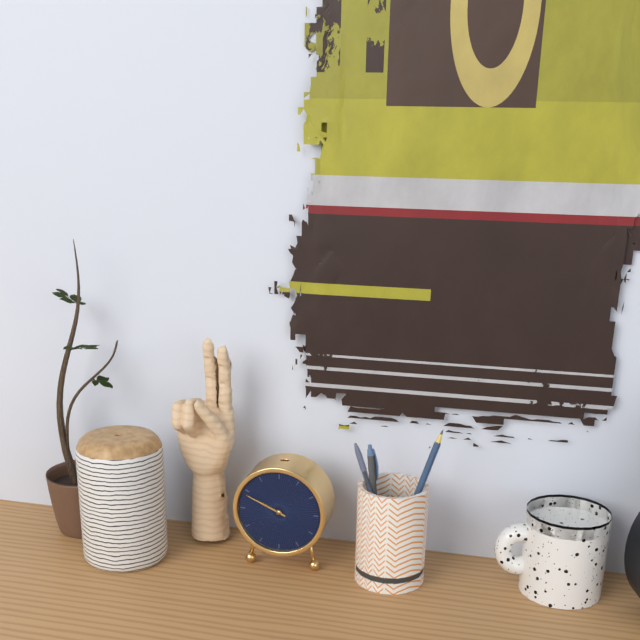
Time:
**9:49**
